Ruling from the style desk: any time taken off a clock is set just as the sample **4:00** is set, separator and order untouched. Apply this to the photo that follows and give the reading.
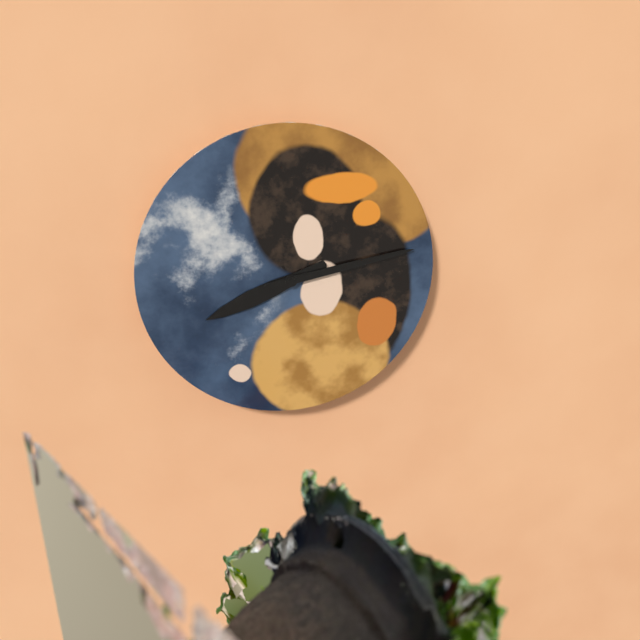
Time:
**8:13**
